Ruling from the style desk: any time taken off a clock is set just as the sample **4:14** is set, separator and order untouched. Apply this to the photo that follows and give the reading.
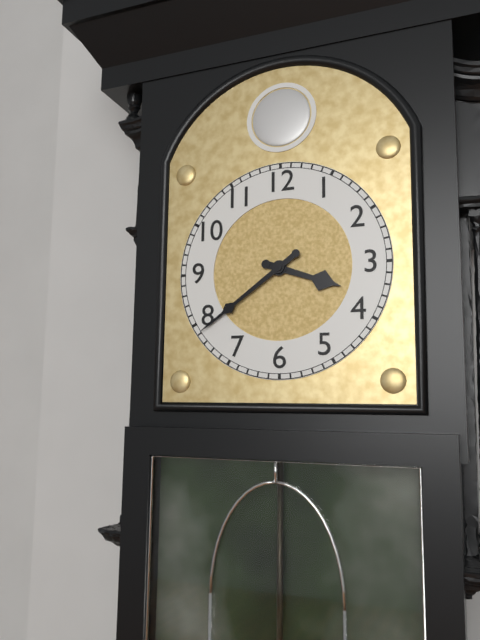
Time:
**3:39**
